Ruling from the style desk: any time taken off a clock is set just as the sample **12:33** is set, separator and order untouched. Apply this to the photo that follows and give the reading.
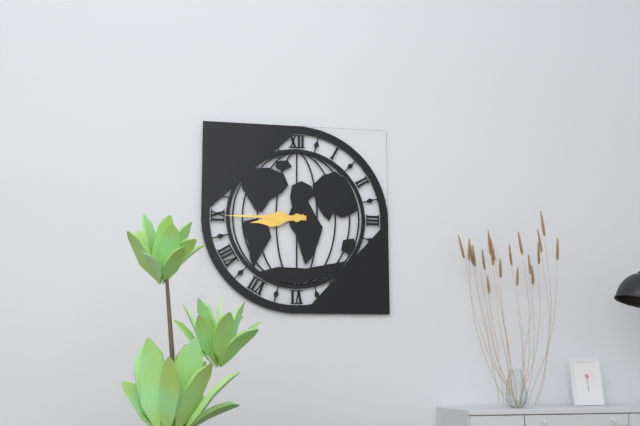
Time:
**8:45**
